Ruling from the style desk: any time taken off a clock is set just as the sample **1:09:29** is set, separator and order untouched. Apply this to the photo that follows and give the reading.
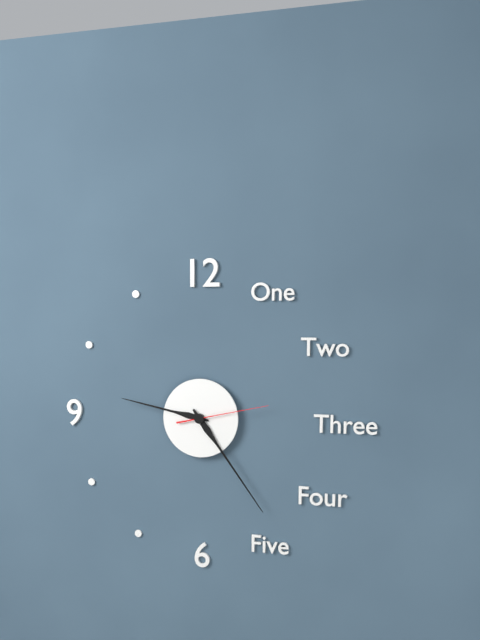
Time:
**9:24:13**
